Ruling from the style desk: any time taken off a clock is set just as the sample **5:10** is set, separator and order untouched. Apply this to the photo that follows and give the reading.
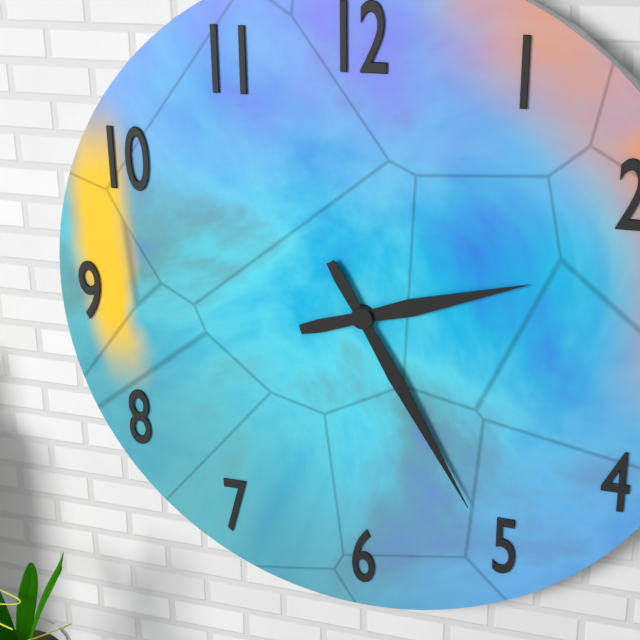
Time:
**2:25**
